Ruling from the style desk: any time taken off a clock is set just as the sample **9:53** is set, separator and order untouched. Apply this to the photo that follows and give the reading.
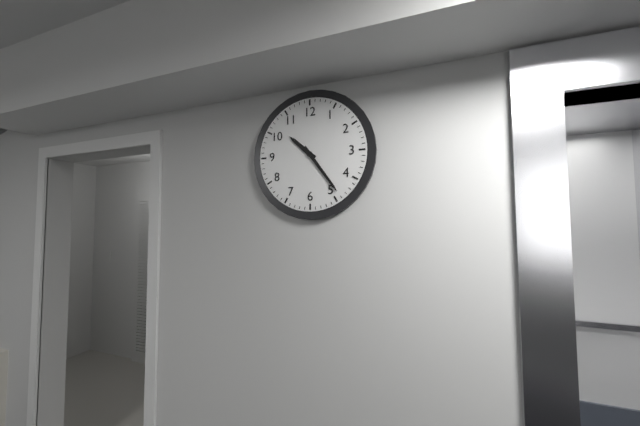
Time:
**10:24**
